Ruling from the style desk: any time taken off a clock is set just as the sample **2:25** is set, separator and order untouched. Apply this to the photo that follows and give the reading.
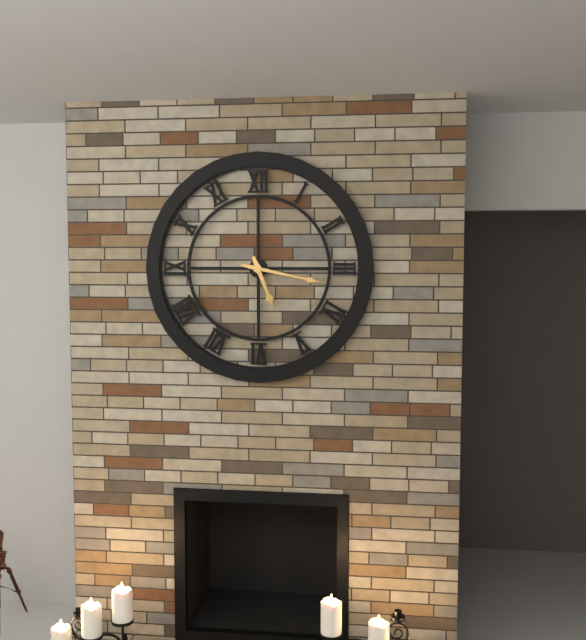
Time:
**5:17**
